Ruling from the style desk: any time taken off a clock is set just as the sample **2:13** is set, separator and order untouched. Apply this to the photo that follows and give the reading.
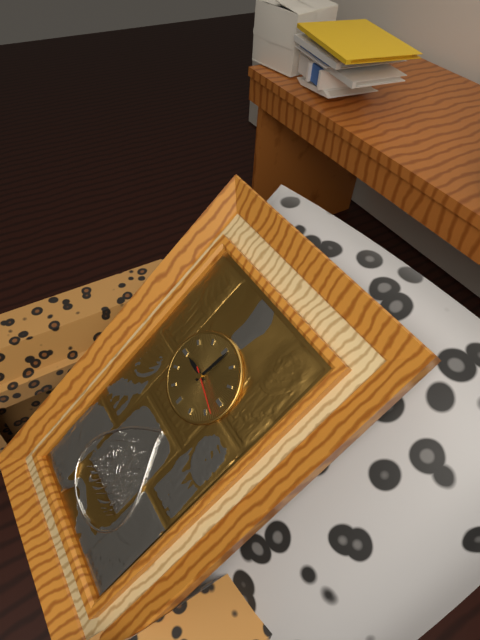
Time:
**9:01**
